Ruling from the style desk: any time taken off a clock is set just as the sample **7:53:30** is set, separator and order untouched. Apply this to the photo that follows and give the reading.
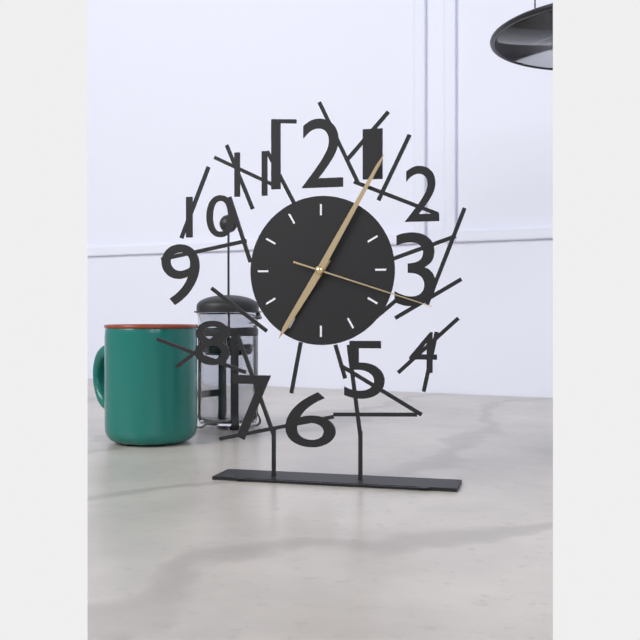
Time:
**7:05:18**
